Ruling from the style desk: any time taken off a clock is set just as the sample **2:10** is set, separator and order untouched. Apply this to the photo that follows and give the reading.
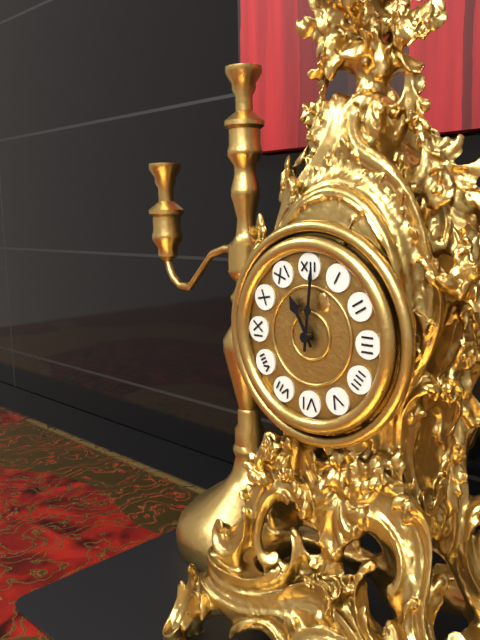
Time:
**11:01**
